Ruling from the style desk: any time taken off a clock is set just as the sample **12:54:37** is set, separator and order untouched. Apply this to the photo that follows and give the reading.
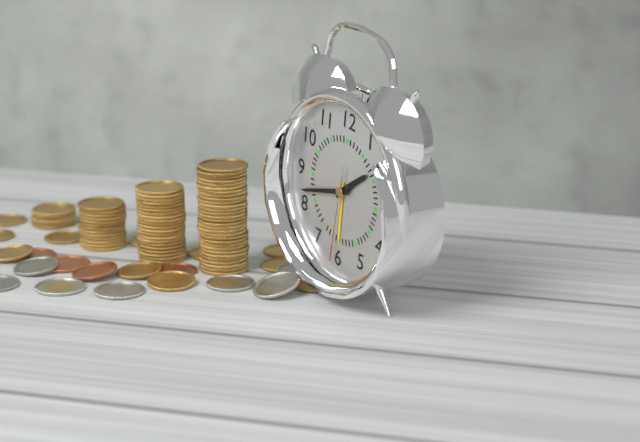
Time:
**1:42:31**
